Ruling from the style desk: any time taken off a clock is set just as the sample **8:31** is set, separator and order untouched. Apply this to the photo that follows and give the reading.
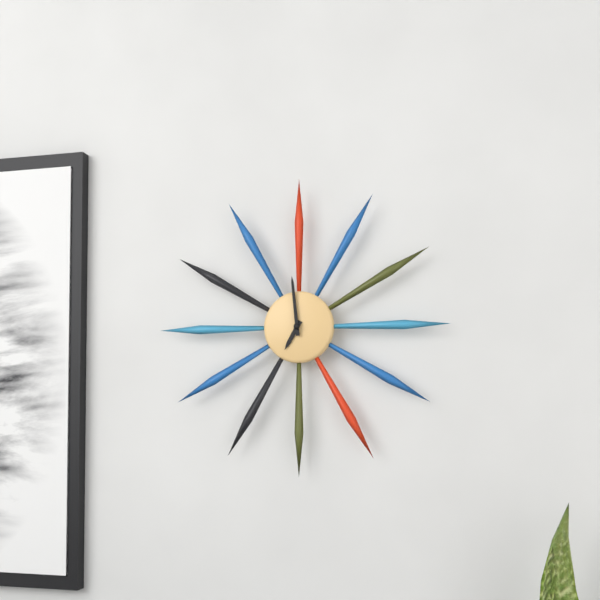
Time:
**6:59**
